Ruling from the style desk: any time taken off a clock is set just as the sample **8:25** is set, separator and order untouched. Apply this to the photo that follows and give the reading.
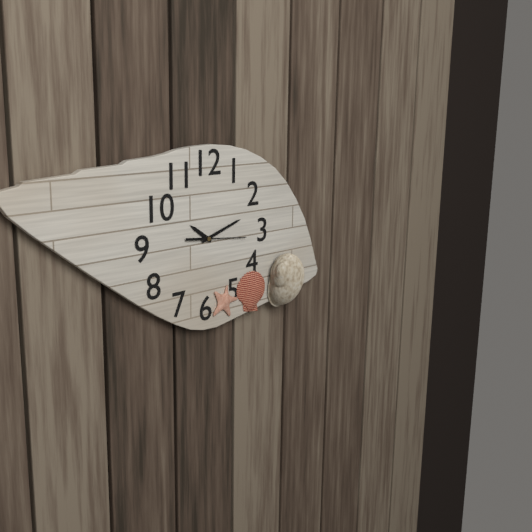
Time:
**10:12**
